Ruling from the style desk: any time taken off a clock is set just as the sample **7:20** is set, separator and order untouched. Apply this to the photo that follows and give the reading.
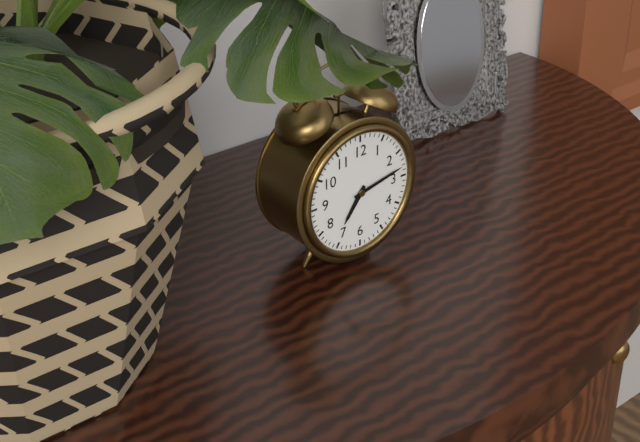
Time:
**7:13**
